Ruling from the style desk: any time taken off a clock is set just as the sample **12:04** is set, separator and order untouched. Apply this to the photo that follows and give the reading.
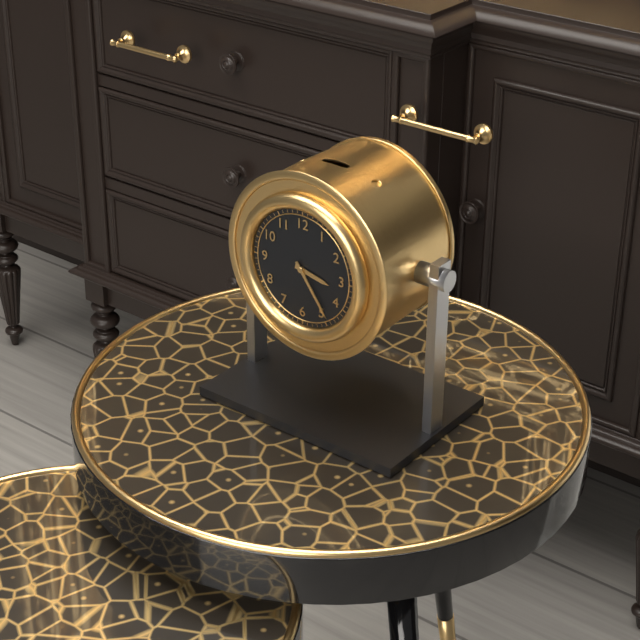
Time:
**3:24**
